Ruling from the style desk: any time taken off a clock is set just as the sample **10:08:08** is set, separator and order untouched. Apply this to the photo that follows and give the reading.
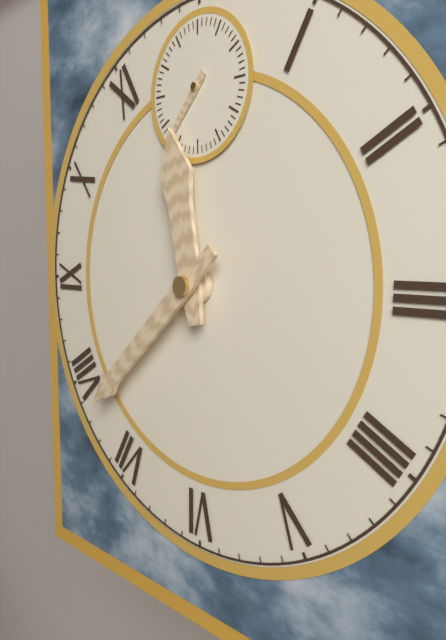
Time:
**11:38:37**
